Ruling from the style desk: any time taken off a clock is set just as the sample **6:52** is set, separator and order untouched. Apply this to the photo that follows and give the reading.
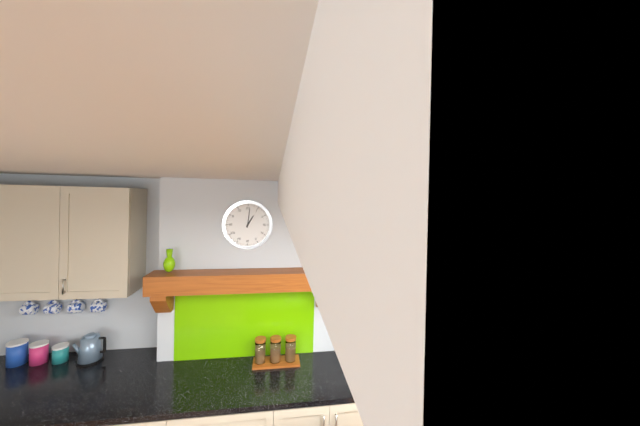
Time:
**1:01**
